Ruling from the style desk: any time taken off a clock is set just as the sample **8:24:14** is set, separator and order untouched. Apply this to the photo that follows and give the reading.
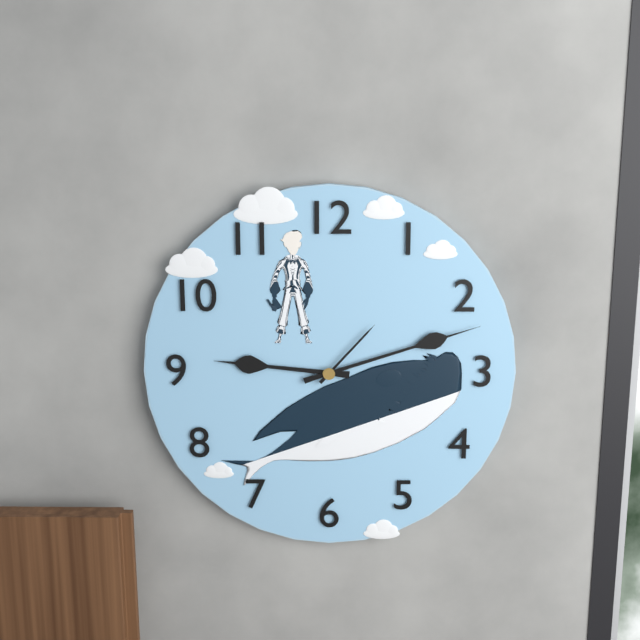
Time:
**9:12:07**
